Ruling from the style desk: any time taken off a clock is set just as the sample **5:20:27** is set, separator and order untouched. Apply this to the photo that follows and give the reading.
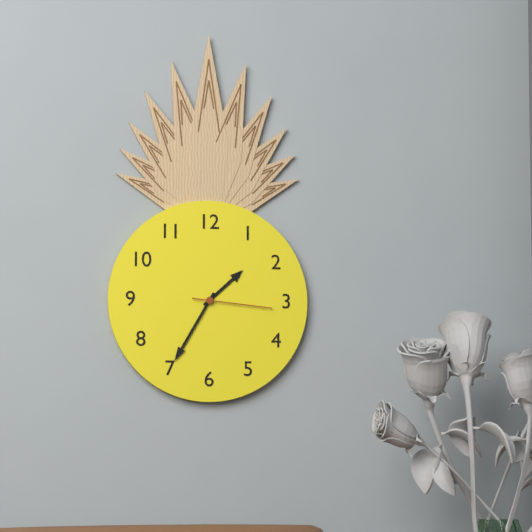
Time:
**1:35:16**
